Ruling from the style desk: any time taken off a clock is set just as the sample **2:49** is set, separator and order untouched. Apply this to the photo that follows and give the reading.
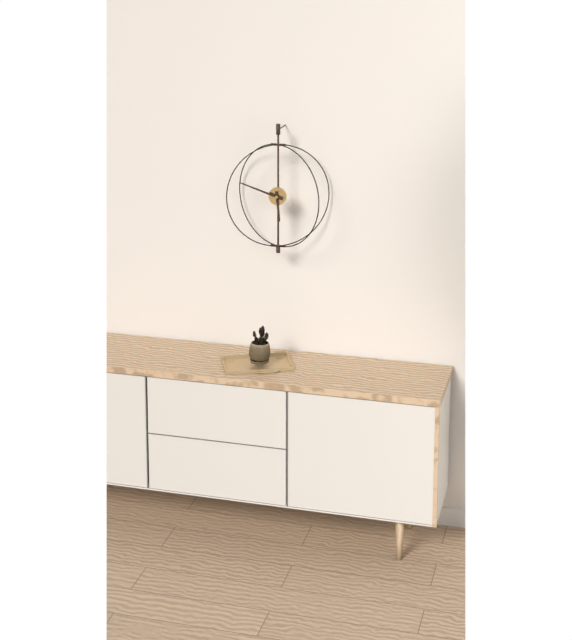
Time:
**5:48**
